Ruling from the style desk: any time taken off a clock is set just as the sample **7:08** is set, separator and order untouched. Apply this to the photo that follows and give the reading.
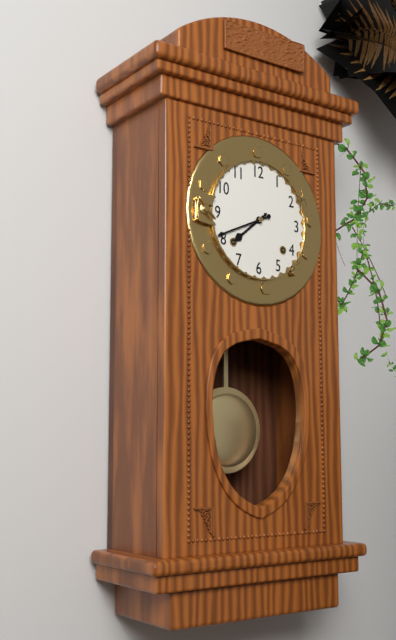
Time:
**7:41**
